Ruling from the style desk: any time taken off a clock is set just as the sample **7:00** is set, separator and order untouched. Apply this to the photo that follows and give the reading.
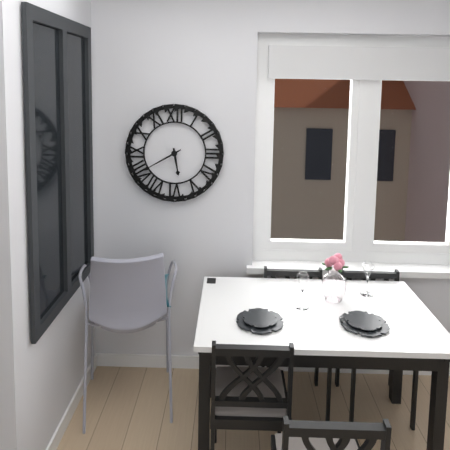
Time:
**5:40**
